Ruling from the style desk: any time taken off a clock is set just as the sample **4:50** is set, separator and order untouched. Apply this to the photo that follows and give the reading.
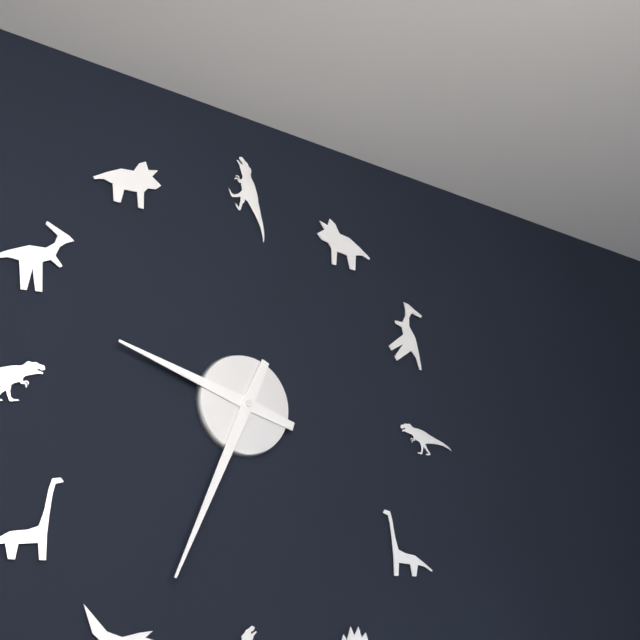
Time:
**9:34**
